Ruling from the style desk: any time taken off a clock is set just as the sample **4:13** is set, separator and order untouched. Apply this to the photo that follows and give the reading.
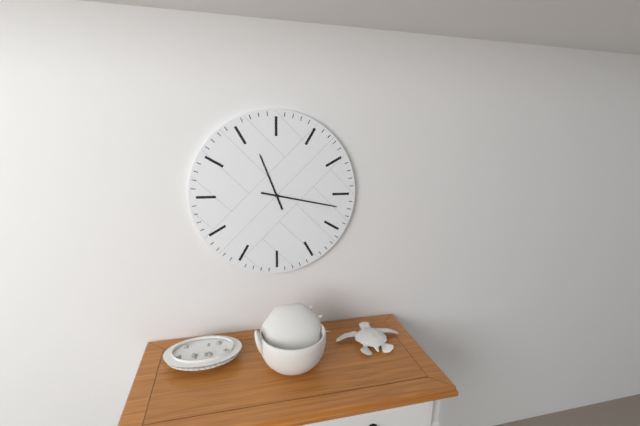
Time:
**11:17**
